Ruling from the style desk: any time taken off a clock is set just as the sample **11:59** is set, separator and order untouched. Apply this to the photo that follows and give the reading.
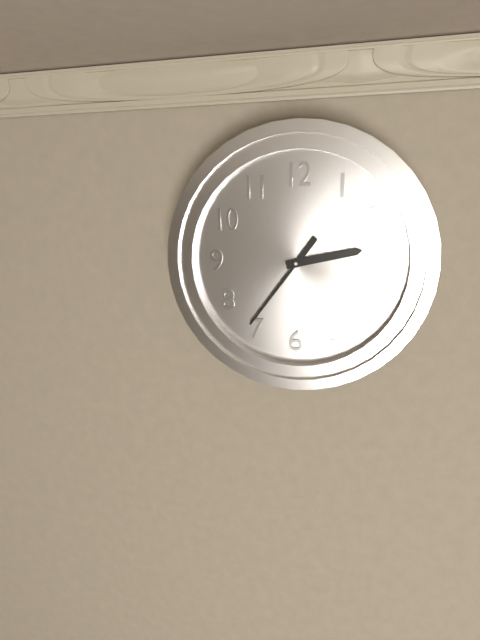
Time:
**2:36**
